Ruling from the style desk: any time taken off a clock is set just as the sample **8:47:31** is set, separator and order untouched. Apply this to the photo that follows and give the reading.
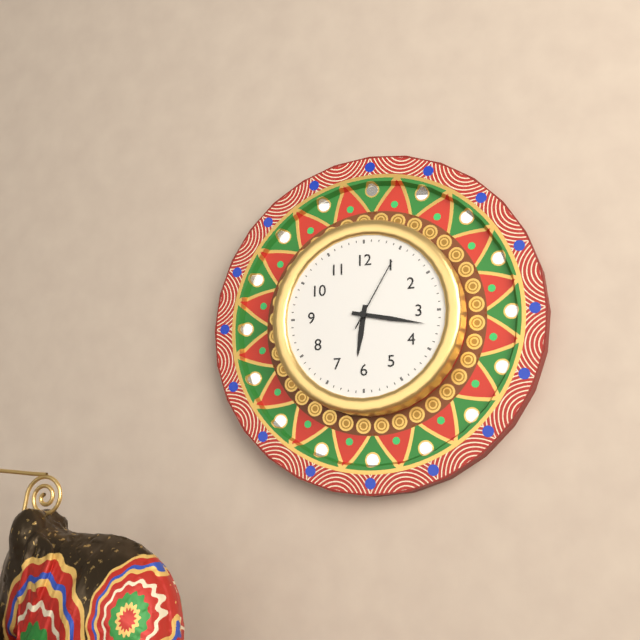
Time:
**6:17:05**
